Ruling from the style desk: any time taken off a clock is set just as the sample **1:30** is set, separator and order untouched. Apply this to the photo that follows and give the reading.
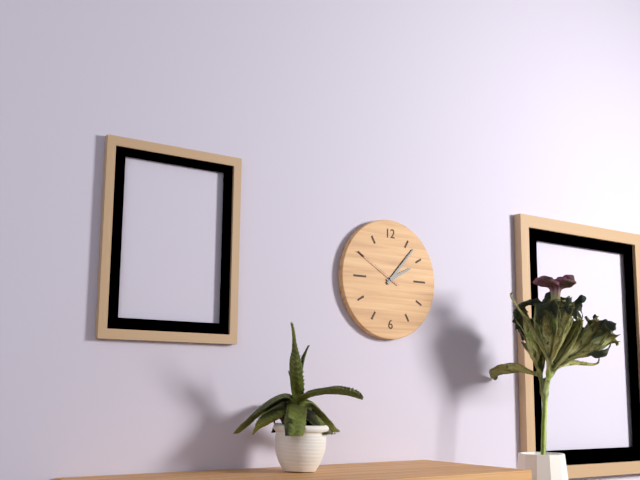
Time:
**2:07**
